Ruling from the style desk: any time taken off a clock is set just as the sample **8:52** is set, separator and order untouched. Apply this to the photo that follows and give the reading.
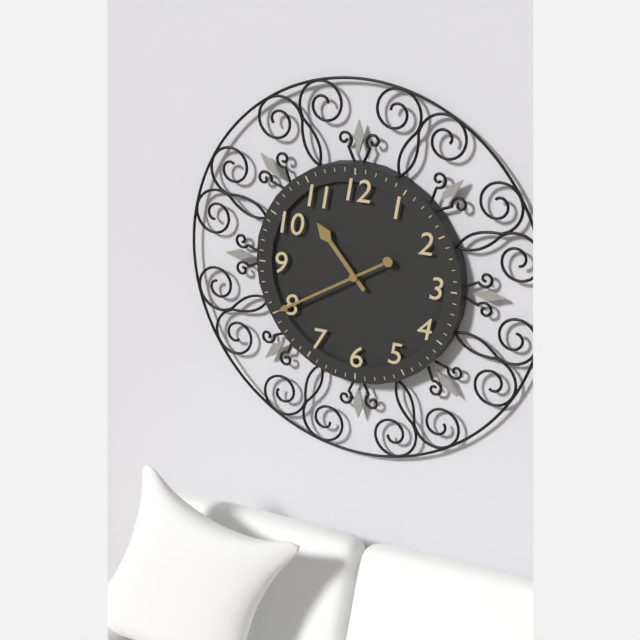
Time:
**10:40**
